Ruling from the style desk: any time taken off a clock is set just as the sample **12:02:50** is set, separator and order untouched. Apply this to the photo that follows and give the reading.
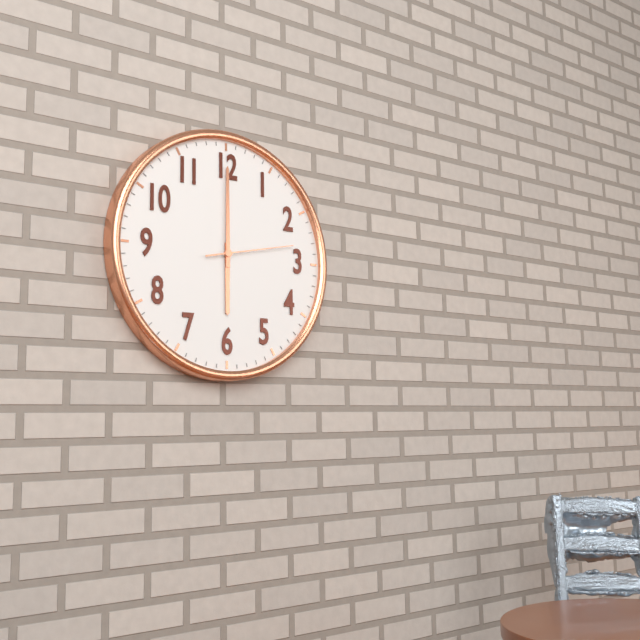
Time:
**6:00:13**
